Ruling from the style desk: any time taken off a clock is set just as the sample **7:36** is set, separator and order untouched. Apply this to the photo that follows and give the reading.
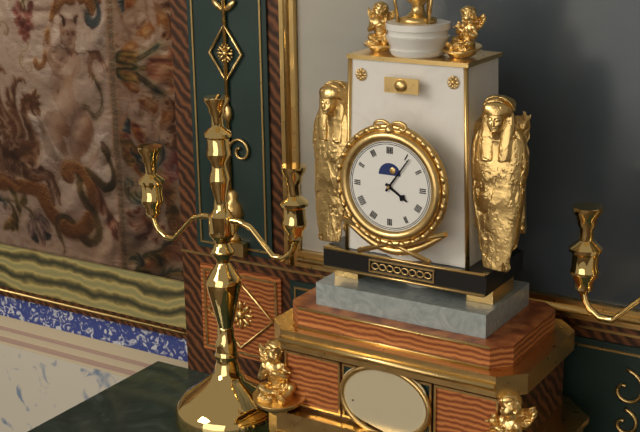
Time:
**4:06**
